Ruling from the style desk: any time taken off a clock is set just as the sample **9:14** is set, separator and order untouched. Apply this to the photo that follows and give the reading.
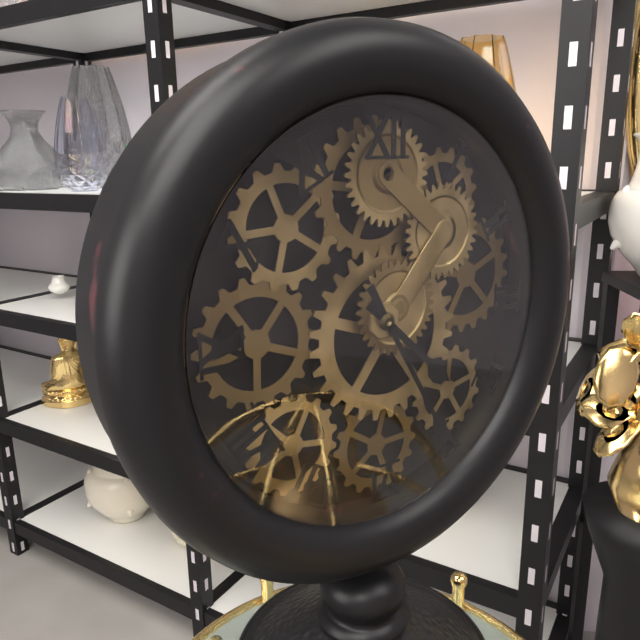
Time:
**4:25**
